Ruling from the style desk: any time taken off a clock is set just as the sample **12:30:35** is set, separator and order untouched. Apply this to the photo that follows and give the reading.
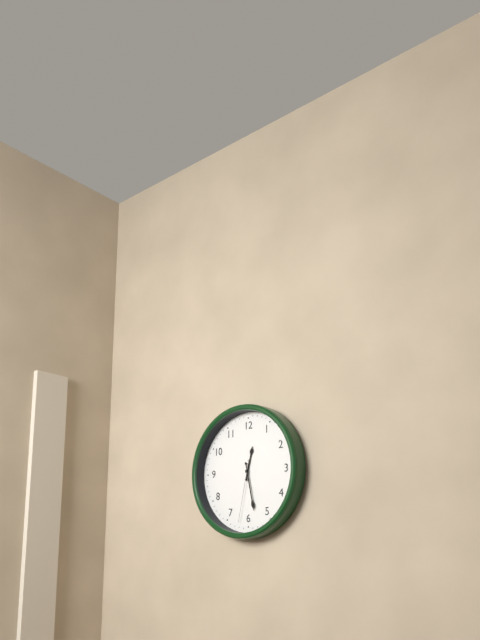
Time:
**12:28:32**
